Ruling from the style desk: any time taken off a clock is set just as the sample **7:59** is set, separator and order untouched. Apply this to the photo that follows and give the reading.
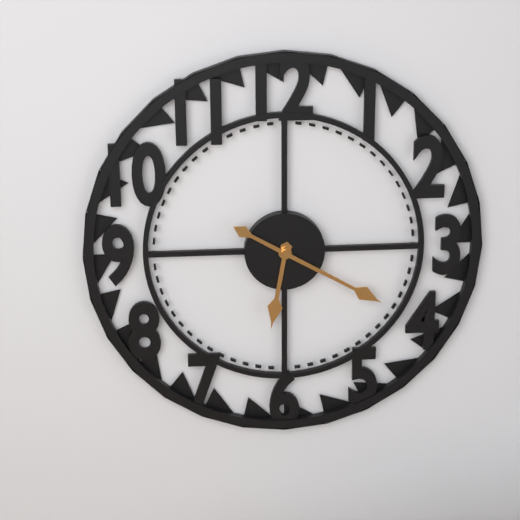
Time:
**6:20**
